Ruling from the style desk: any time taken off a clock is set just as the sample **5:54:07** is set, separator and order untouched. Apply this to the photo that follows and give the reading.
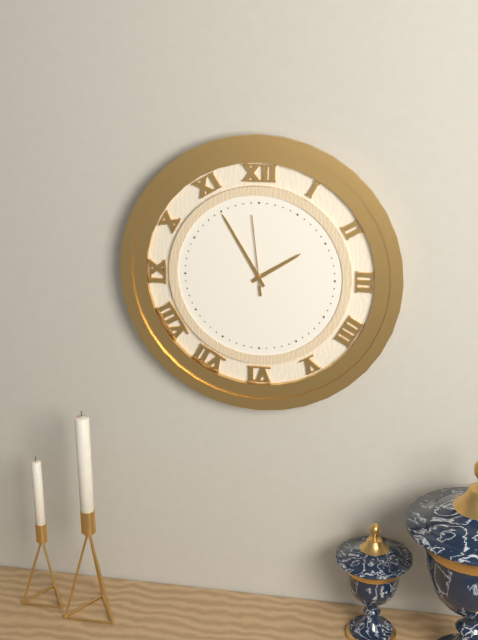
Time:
**1:55:59**
